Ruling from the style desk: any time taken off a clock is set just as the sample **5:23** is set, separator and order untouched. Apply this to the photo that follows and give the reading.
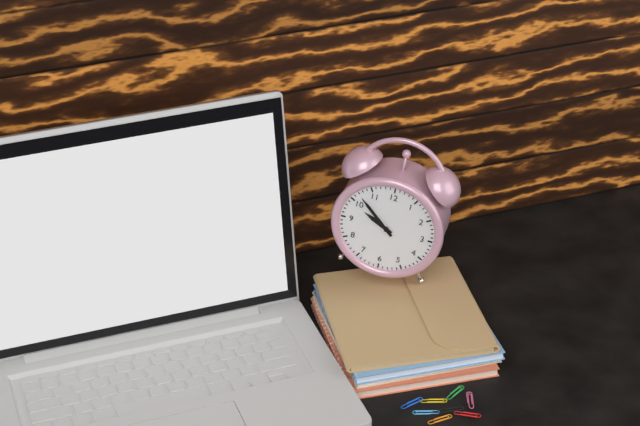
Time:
**9:52**
